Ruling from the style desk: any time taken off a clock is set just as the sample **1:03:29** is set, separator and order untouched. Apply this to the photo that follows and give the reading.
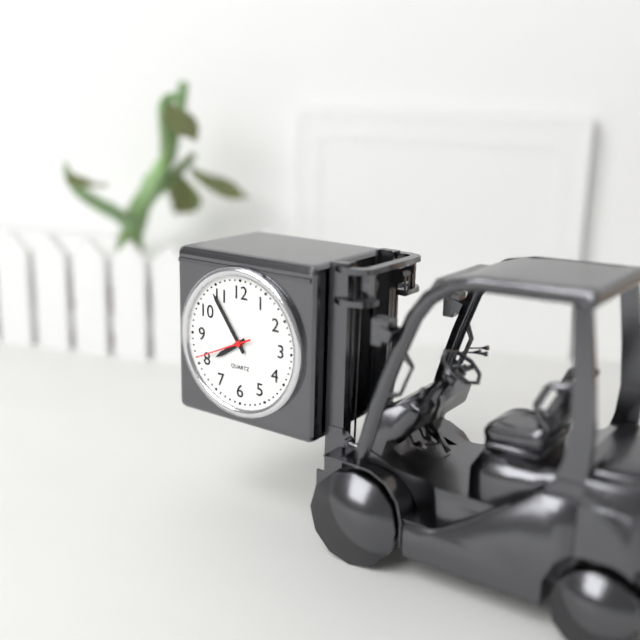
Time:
**7:54:41**
